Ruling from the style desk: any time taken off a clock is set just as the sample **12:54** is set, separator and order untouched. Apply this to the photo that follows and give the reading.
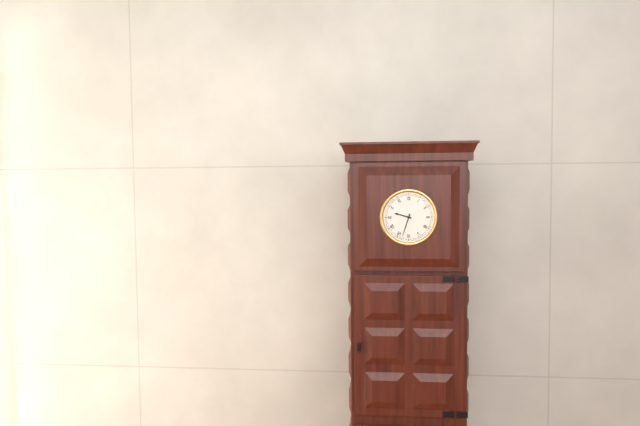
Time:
**9:33**
